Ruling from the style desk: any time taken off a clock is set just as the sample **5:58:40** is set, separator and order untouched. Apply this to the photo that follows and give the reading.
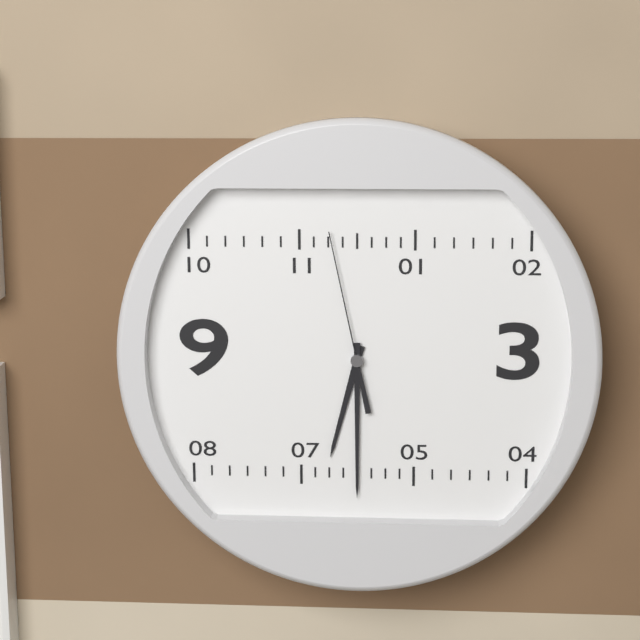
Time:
**6:30:58**
